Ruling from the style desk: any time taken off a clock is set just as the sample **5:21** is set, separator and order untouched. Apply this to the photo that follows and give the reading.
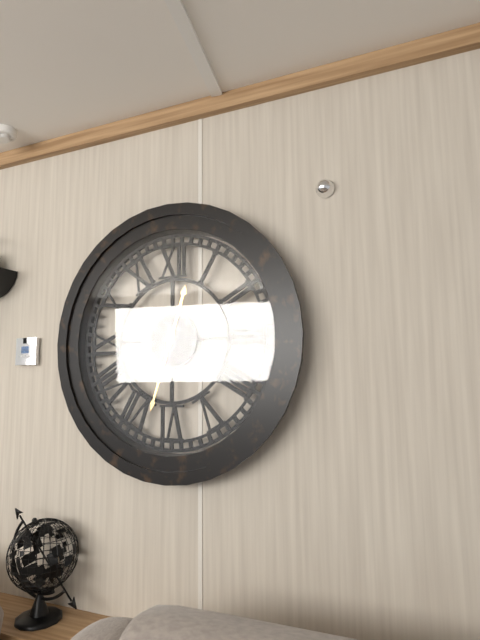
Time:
**12:33**
